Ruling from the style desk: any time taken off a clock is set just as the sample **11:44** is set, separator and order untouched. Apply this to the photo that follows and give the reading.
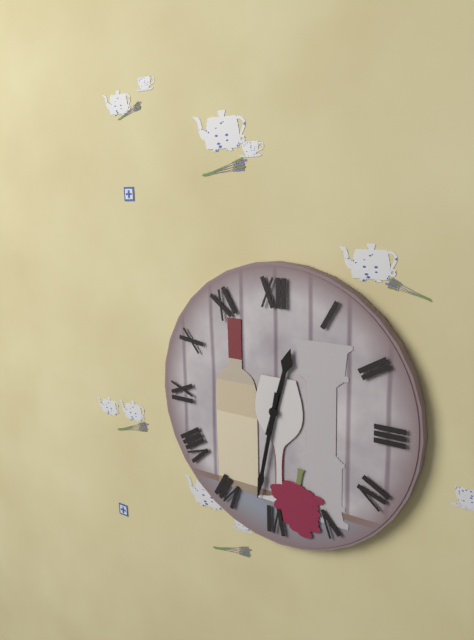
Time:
**12:32**
